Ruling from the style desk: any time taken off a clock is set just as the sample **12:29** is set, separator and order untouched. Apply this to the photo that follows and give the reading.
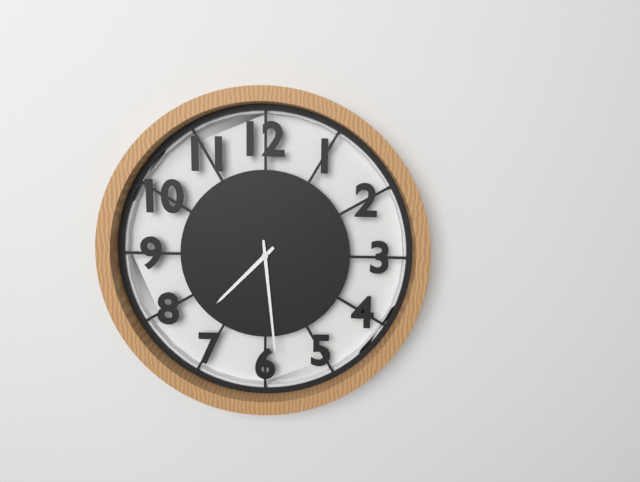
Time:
**7:29**
